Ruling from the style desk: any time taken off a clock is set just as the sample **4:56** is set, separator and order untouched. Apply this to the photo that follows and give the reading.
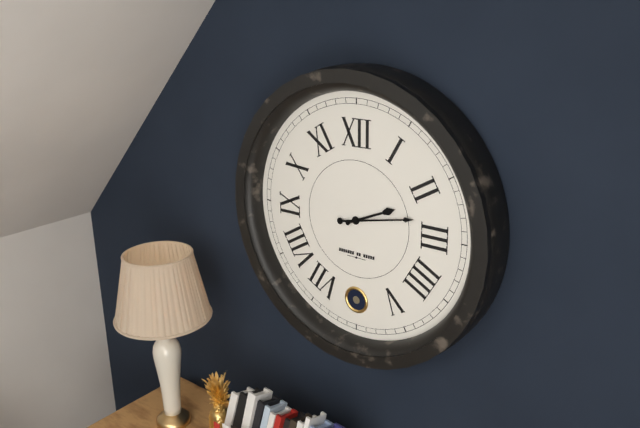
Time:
**2:13**
